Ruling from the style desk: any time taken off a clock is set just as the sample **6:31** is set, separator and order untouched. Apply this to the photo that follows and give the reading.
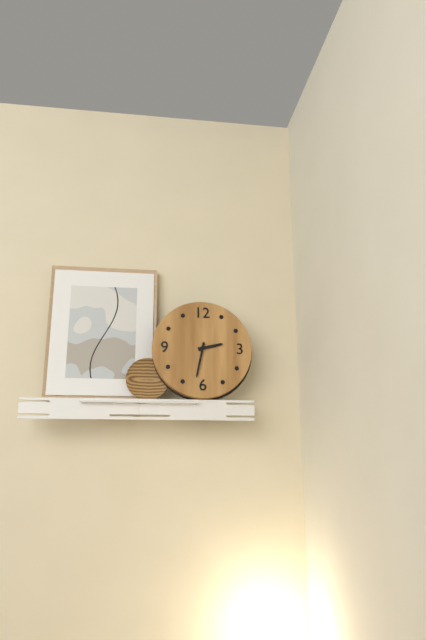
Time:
**2:32**
